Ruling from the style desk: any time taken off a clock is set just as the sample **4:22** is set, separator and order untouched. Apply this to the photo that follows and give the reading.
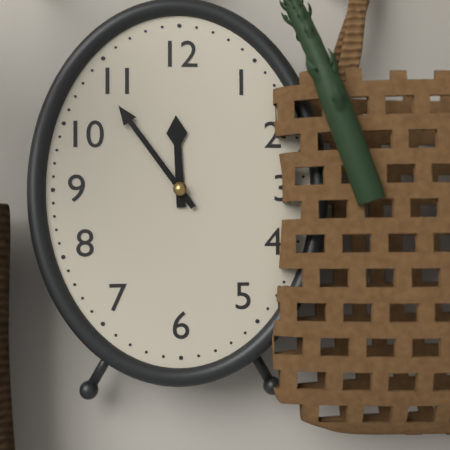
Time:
**11:54**
